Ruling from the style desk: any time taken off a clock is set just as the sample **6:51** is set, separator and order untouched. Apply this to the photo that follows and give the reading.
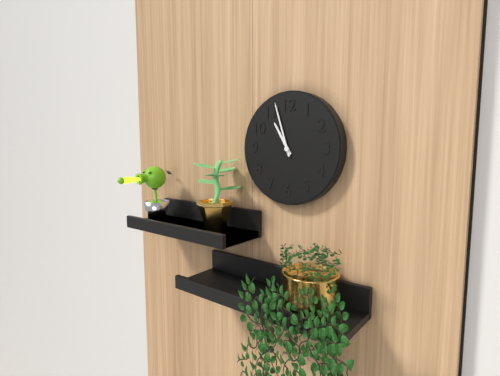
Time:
**10:57**
